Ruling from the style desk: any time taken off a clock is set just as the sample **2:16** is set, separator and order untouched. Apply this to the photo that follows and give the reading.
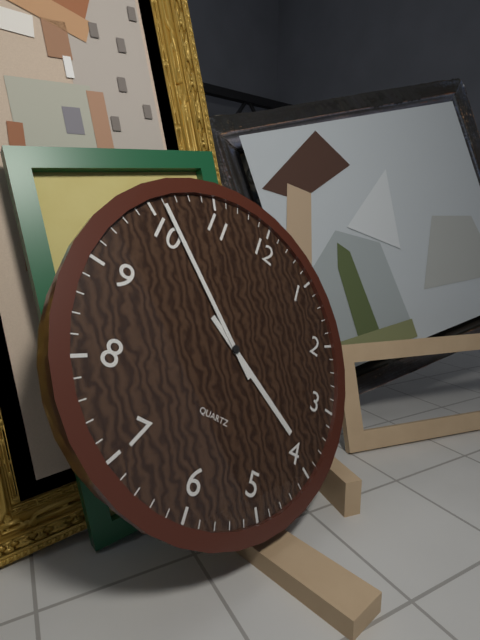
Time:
**3:51**
